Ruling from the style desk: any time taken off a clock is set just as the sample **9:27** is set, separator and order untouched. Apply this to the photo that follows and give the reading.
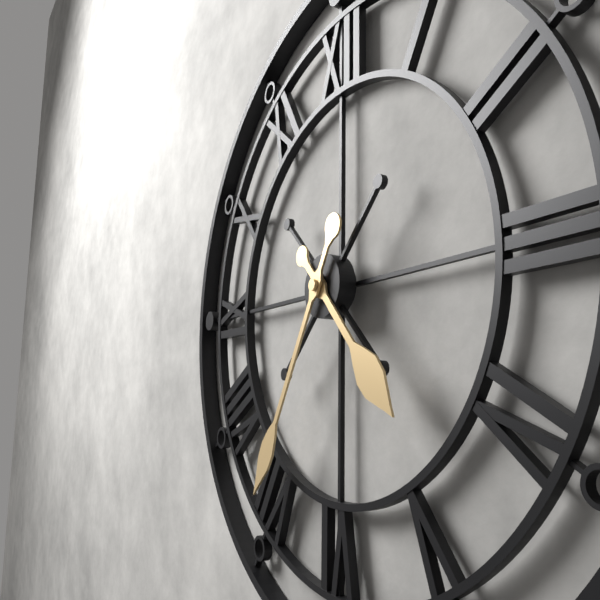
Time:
**4:35**
